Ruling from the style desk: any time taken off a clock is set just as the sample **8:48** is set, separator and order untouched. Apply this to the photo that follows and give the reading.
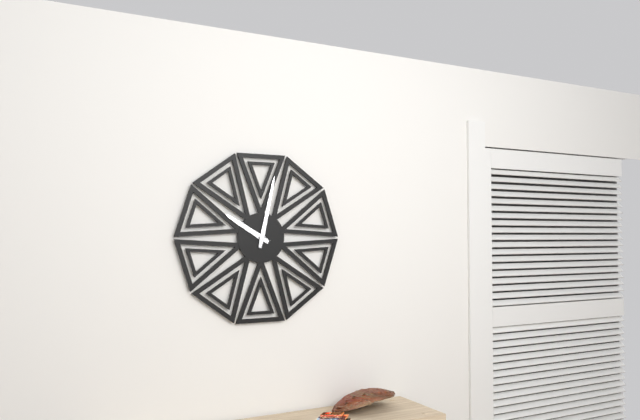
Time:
**10:02**
